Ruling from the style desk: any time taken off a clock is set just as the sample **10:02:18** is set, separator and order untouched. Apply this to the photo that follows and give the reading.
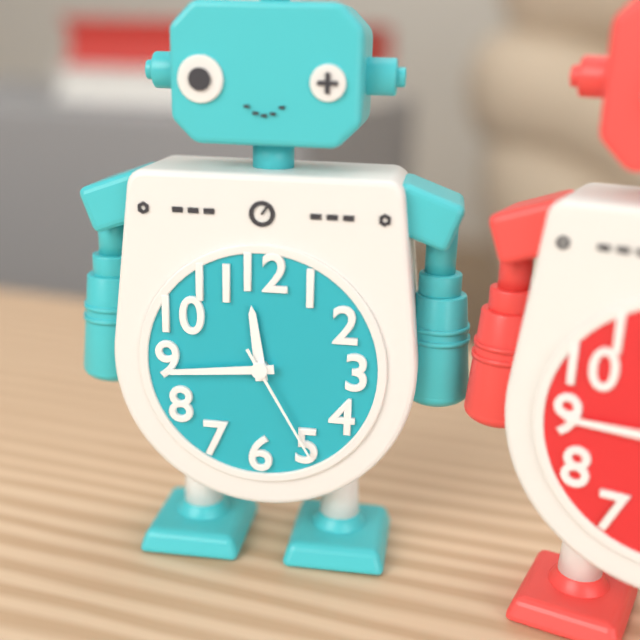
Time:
**11:44:25**
